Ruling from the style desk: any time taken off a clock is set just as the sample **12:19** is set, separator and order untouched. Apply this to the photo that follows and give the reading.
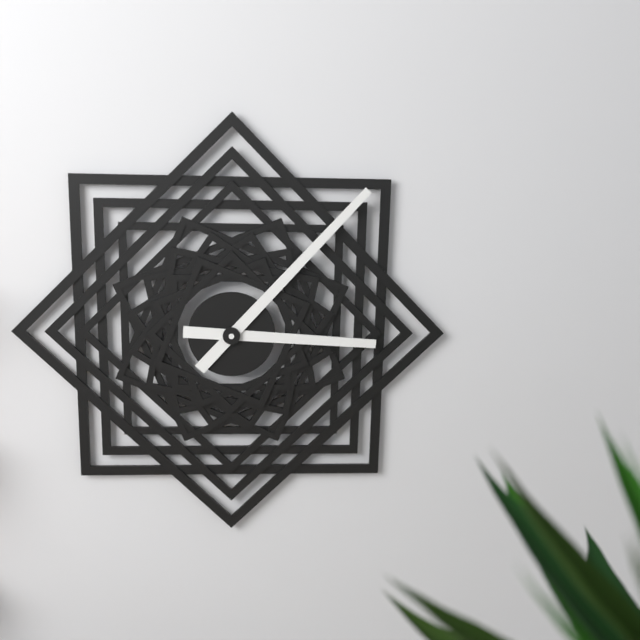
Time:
**3:07**
